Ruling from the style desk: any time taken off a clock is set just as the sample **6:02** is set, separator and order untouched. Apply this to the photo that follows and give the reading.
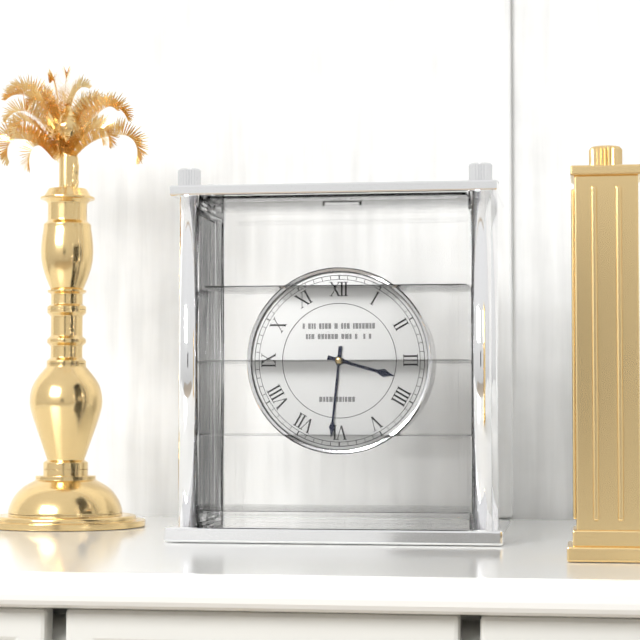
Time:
**3:31**
